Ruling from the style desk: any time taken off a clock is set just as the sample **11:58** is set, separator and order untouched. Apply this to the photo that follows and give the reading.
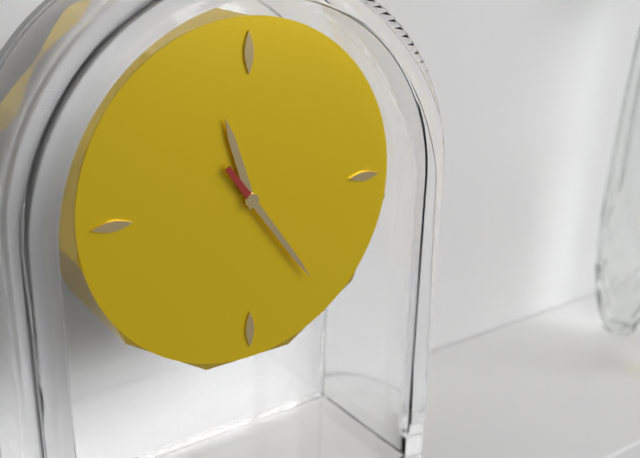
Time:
**11:24**
